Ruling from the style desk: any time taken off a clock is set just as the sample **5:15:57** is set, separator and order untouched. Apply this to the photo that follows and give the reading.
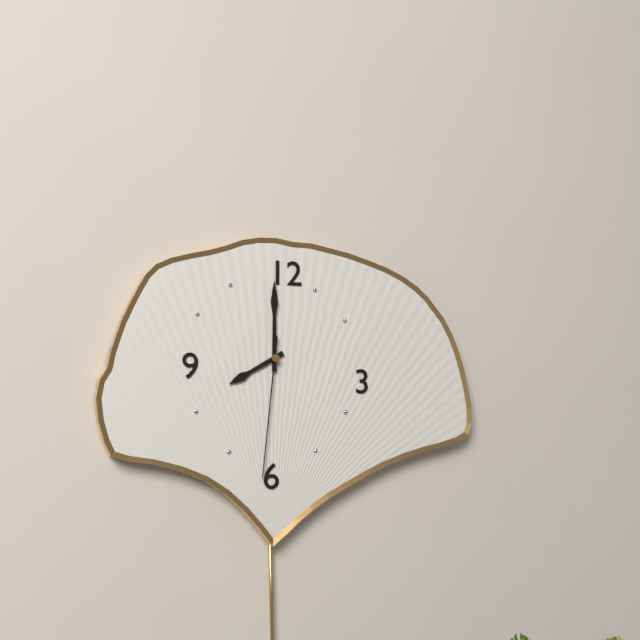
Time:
**8:00:31**
